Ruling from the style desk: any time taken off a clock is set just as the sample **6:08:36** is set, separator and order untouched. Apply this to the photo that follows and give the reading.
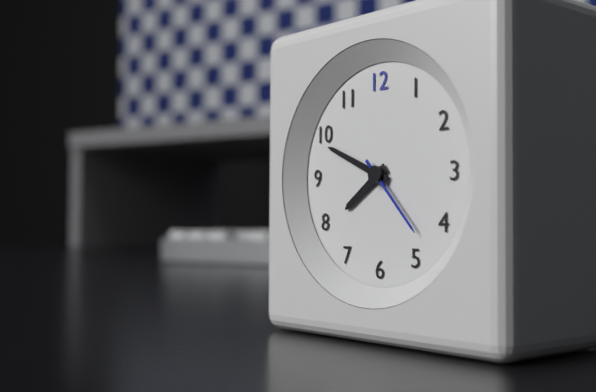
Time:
**7:49:23**
